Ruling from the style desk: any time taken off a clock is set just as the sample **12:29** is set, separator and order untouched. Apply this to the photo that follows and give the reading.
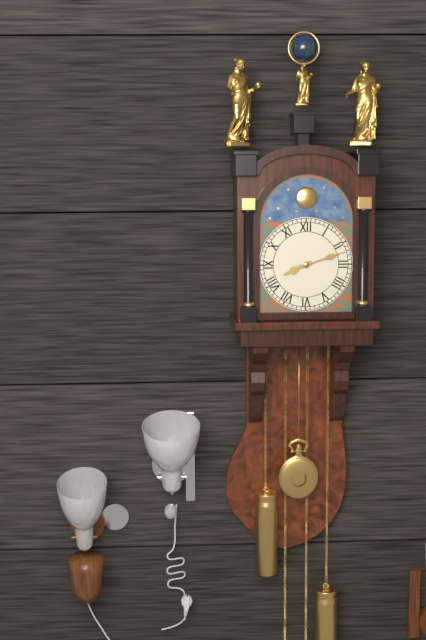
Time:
**8:12**
